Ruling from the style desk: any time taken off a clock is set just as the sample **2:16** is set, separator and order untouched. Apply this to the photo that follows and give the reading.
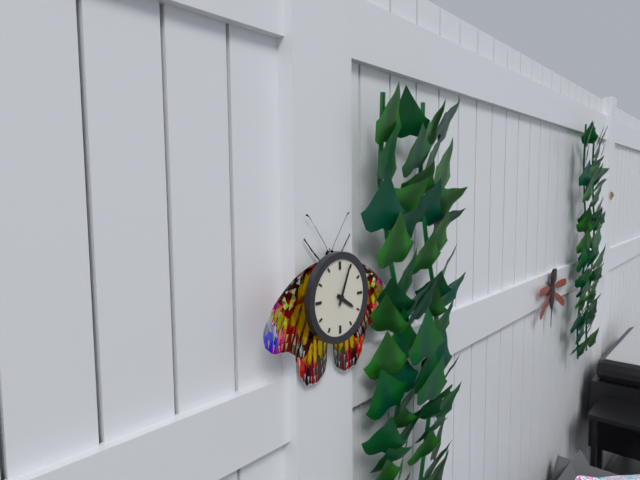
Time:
**4:04**
